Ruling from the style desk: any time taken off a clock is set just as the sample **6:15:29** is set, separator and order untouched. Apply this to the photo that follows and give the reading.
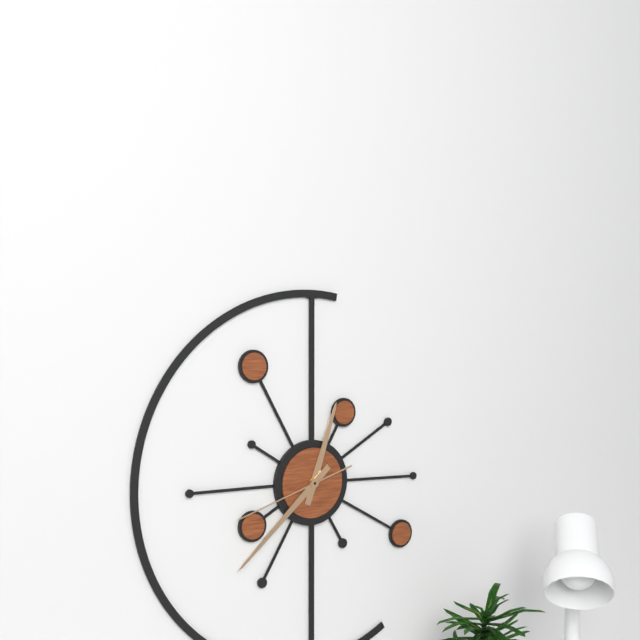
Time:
**12:38:42**
